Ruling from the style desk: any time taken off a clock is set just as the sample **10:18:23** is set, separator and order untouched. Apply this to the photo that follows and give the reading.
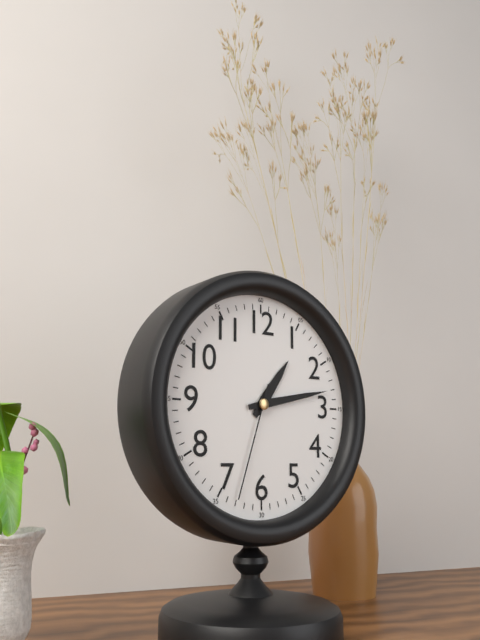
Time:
**1:13:33**
